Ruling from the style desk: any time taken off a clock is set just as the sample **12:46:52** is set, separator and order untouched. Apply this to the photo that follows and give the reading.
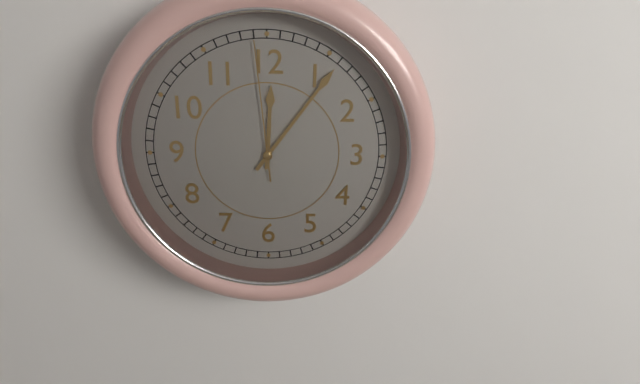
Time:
**12:06:59**
